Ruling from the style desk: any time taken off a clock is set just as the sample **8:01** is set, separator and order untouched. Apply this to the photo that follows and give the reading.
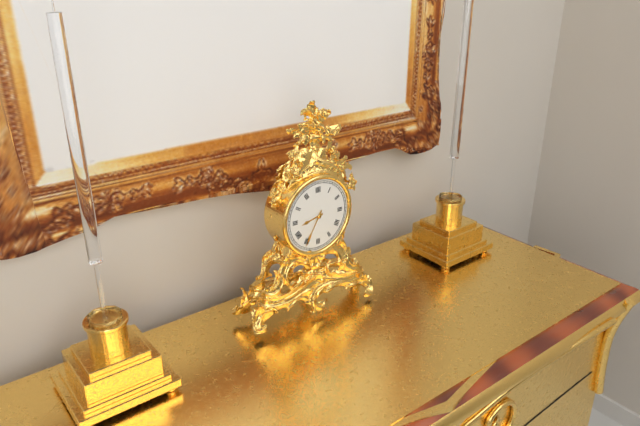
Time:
**8:35**
